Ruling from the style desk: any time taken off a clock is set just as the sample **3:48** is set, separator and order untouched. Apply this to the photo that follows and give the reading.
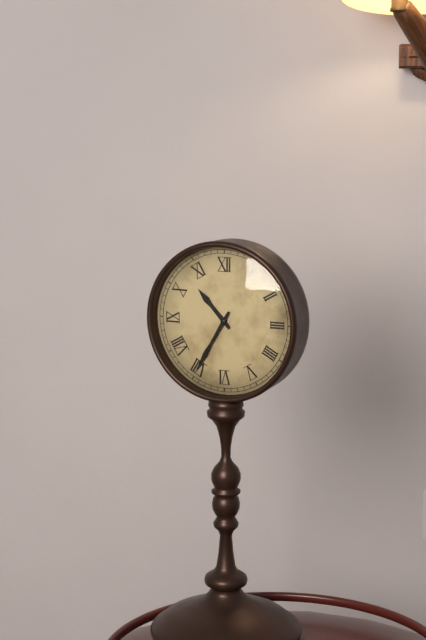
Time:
**10:35**
